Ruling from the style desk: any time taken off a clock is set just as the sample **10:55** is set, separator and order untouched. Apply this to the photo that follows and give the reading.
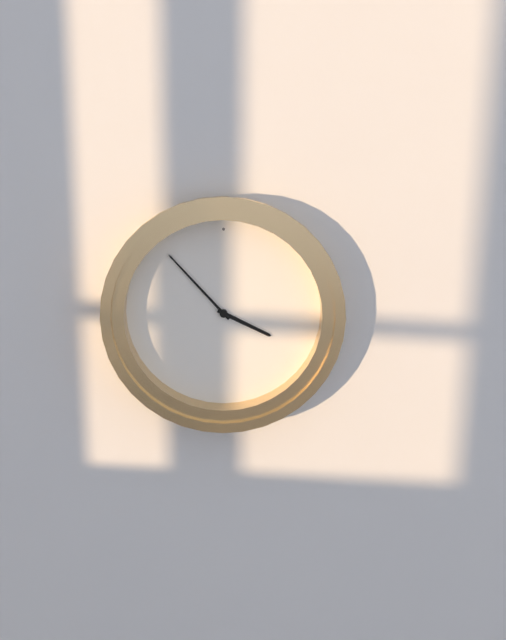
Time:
**3:53**
